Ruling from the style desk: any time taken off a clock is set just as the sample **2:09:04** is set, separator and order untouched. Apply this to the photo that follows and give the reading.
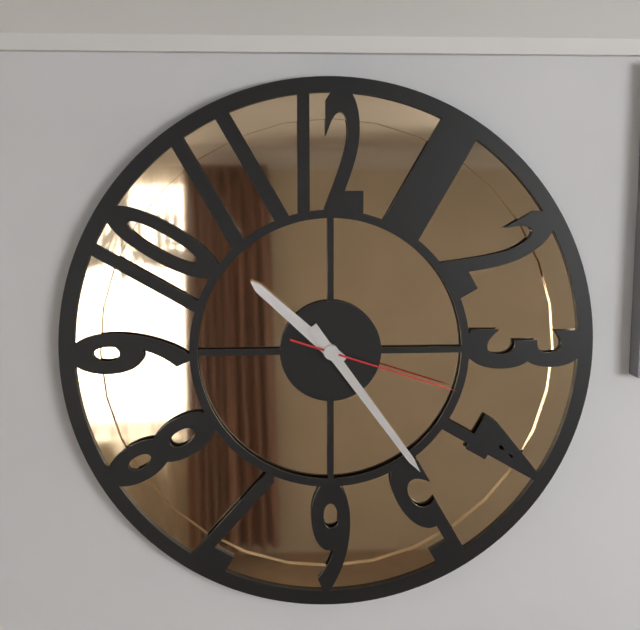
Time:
**10:24:18**
